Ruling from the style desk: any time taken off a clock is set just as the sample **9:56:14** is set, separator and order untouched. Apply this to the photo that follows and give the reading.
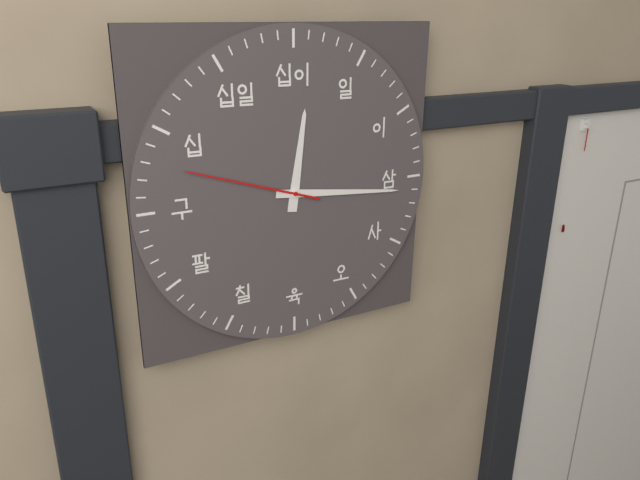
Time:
**12:16:48**
